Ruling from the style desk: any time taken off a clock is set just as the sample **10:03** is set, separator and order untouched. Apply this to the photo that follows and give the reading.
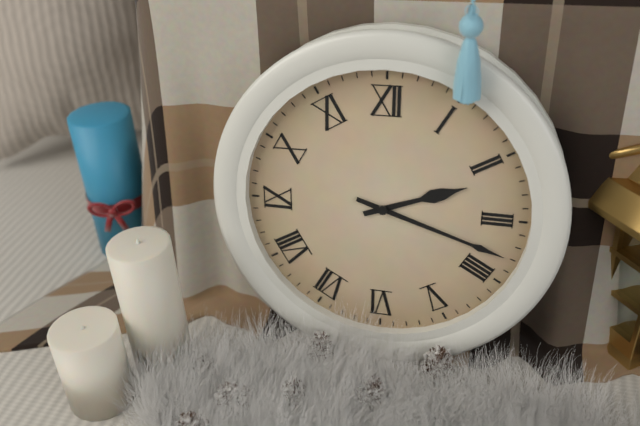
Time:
**2:18**
